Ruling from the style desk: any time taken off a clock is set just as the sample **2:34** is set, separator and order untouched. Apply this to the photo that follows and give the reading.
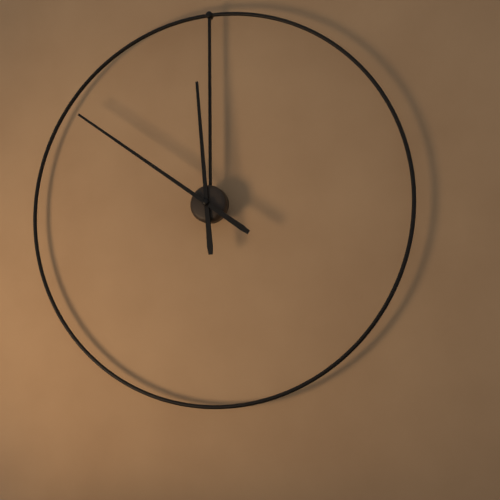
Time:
**11:51**
